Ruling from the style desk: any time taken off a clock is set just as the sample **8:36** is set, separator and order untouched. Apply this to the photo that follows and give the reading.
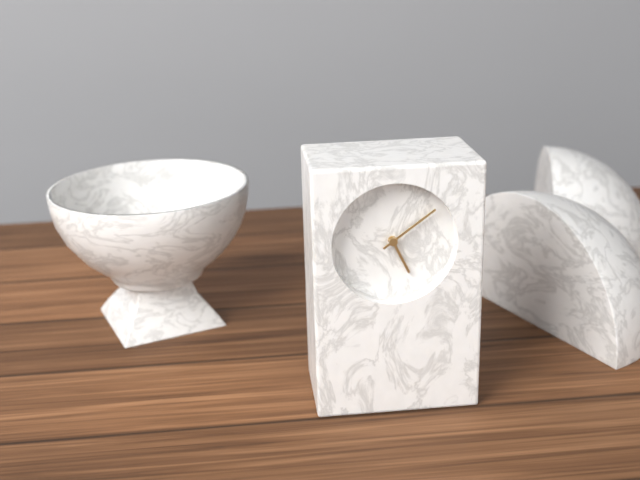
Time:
**5:09**
